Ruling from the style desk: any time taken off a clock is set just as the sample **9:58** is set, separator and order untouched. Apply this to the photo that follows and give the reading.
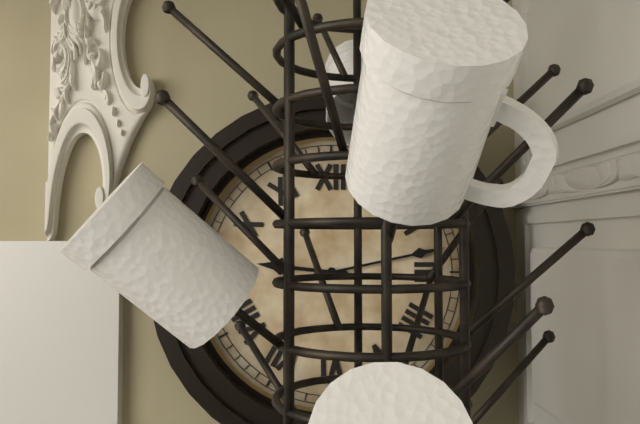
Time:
**9:13**
